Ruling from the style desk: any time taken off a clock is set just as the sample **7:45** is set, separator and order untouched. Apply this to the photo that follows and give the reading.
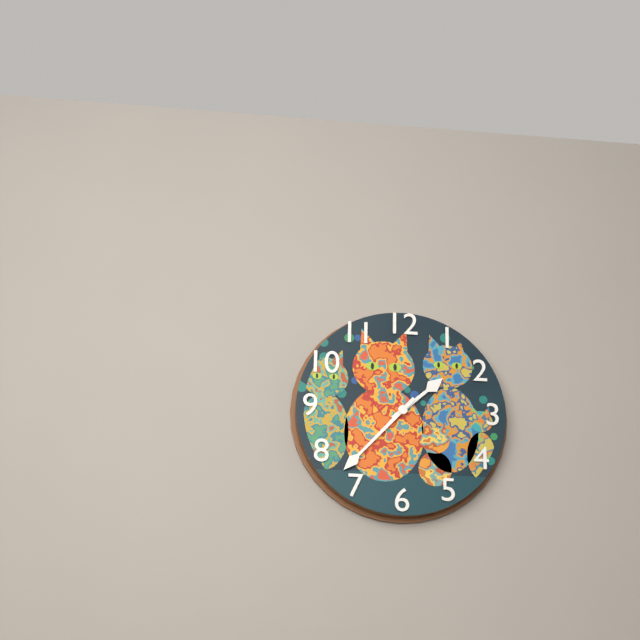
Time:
**1:37**
